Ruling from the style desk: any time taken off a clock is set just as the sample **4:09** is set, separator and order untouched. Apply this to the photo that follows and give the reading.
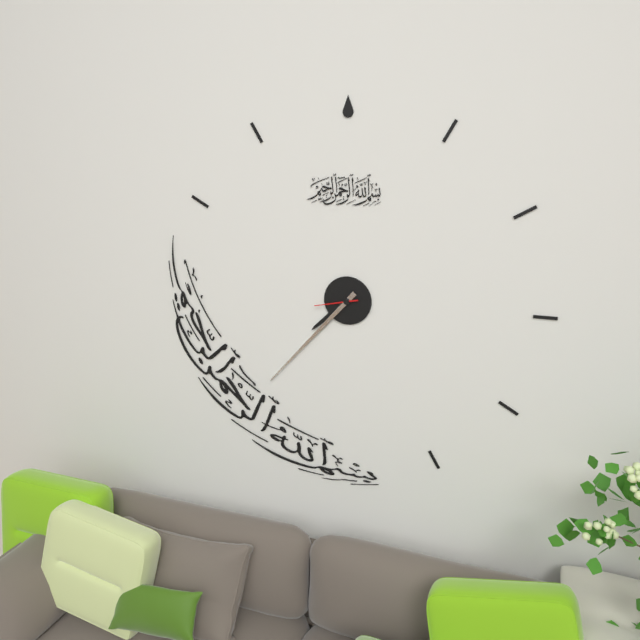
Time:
**7:37**
